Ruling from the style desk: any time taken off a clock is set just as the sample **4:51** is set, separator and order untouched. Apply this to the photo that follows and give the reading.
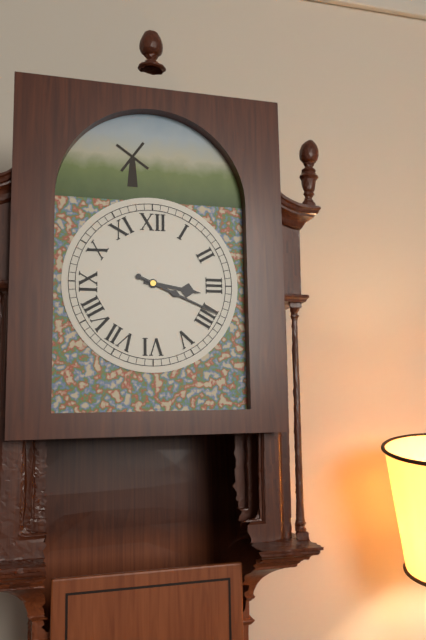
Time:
**3:19**
